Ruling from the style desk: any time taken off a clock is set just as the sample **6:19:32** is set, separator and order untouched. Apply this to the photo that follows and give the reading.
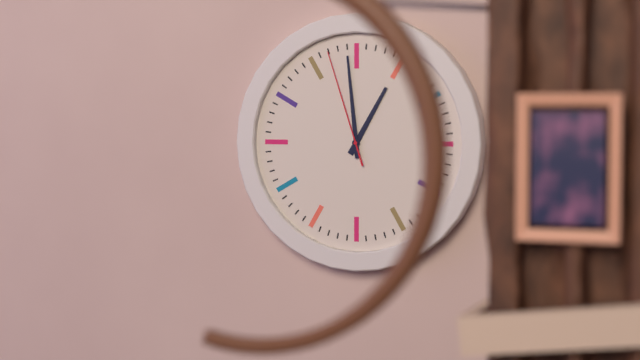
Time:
**12:59:57**
